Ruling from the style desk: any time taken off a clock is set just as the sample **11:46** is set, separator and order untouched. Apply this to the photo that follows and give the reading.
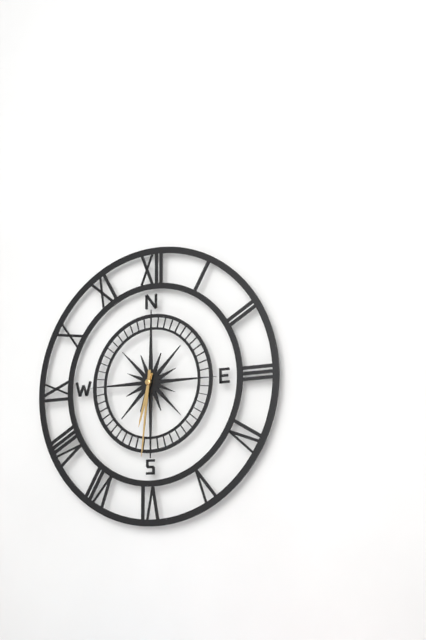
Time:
**6:31**
